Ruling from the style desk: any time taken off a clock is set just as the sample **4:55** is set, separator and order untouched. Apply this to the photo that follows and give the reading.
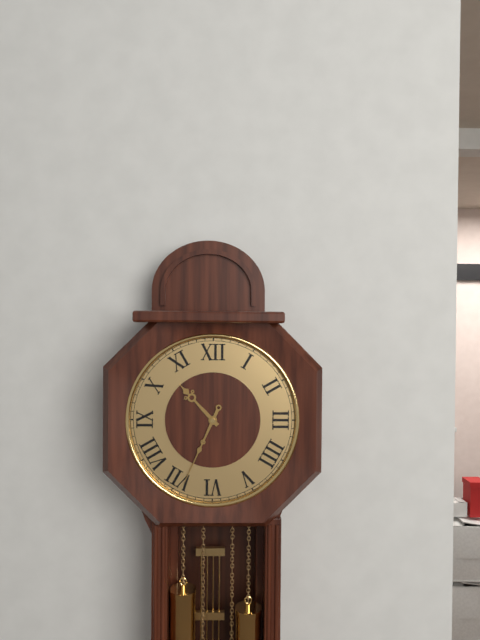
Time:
**10:34**
